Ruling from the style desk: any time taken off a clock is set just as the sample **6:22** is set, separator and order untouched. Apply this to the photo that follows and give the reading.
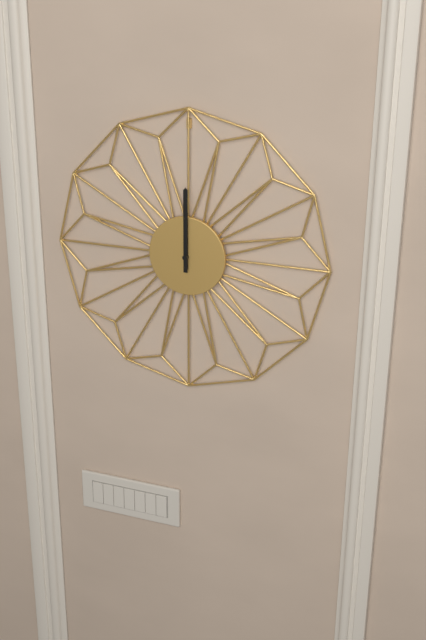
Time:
**12:00**
